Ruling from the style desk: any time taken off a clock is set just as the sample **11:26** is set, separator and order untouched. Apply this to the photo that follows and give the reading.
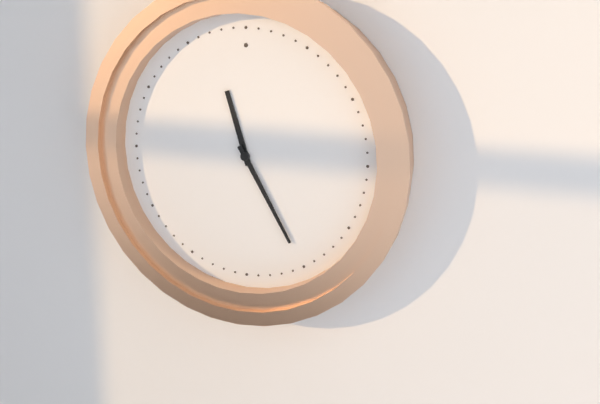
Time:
**11:25**
